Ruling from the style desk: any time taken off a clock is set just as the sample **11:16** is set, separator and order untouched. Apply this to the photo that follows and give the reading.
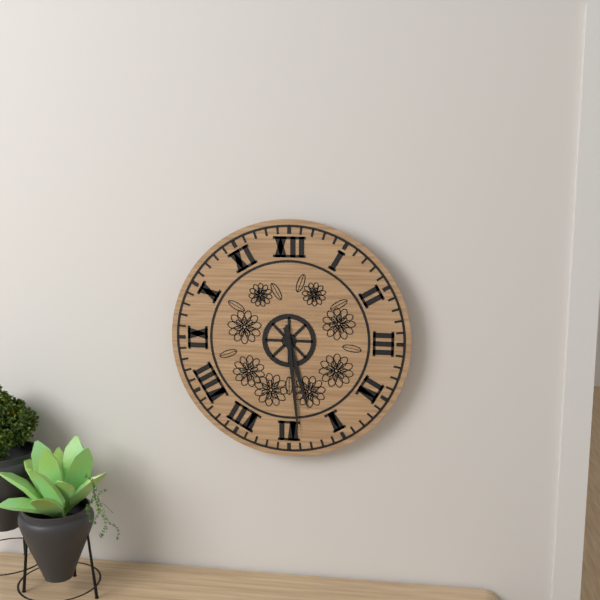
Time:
**5:29**
